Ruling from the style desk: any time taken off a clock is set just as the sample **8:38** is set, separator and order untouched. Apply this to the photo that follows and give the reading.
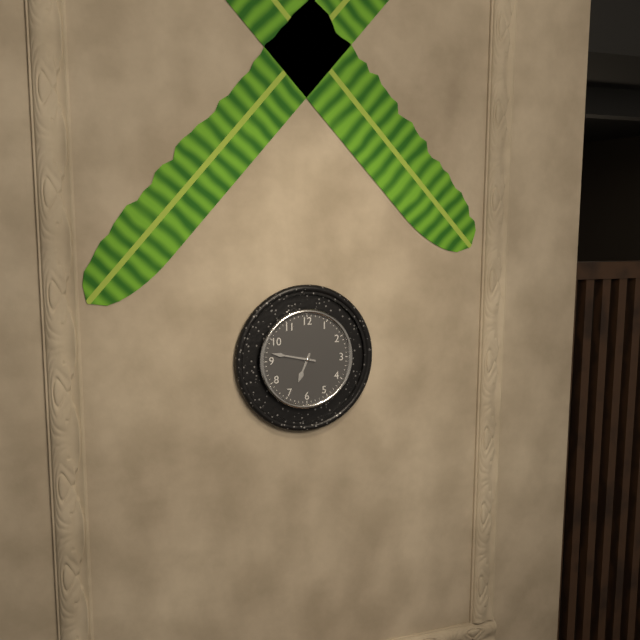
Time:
**6:47**
